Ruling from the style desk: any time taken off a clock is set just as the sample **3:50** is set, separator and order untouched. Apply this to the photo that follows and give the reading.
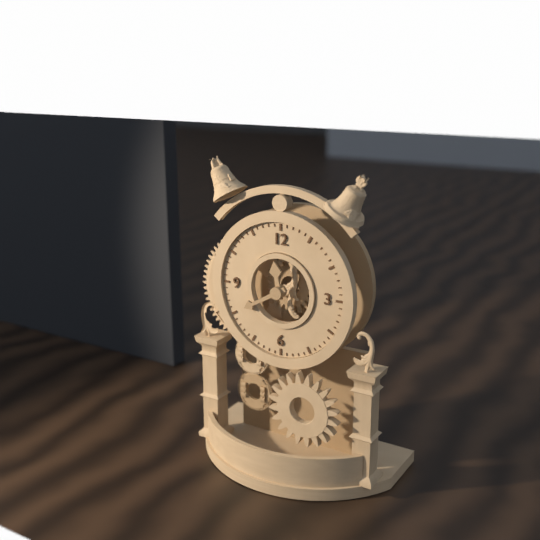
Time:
**11:40**
